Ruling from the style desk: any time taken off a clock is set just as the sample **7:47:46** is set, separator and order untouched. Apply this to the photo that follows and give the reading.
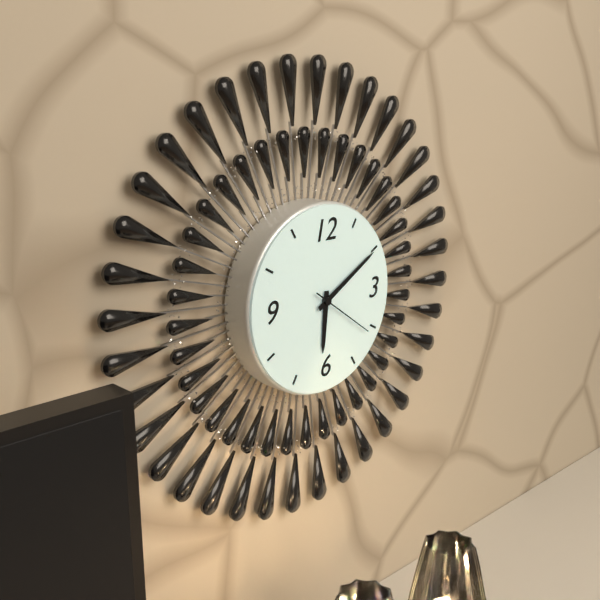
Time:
**6:10:21**
